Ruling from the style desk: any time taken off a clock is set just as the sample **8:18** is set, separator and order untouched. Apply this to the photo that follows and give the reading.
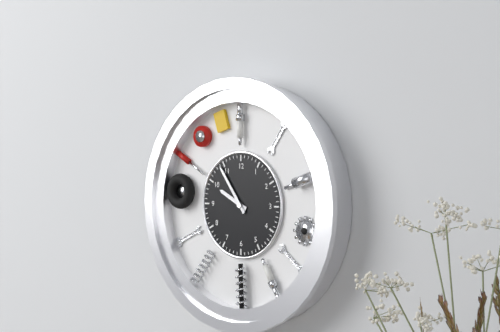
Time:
**9:54**
